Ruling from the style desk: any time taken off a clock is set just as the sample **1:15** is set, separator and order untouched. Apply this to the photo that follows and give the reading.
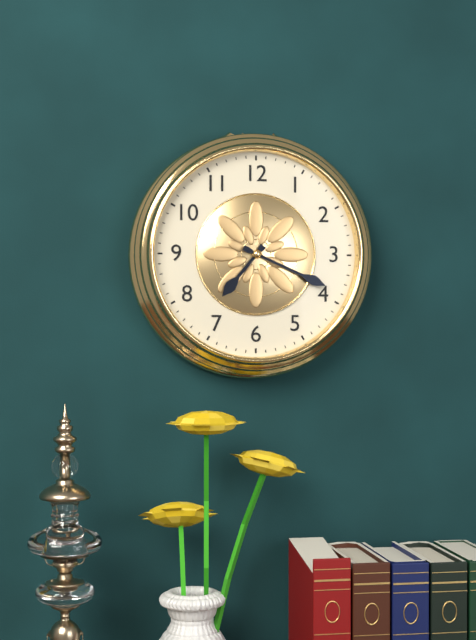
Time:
**7:19**
